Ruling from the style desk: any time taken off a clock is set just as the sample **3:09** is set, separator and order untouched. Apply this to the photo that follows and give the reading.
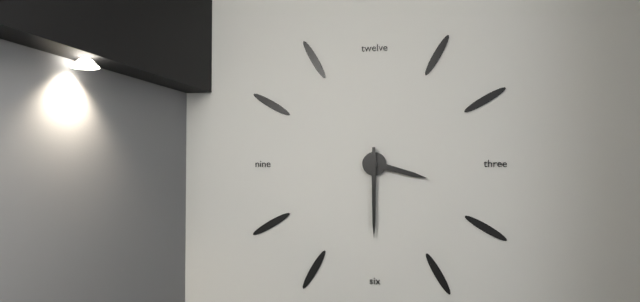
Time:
**3:30**
